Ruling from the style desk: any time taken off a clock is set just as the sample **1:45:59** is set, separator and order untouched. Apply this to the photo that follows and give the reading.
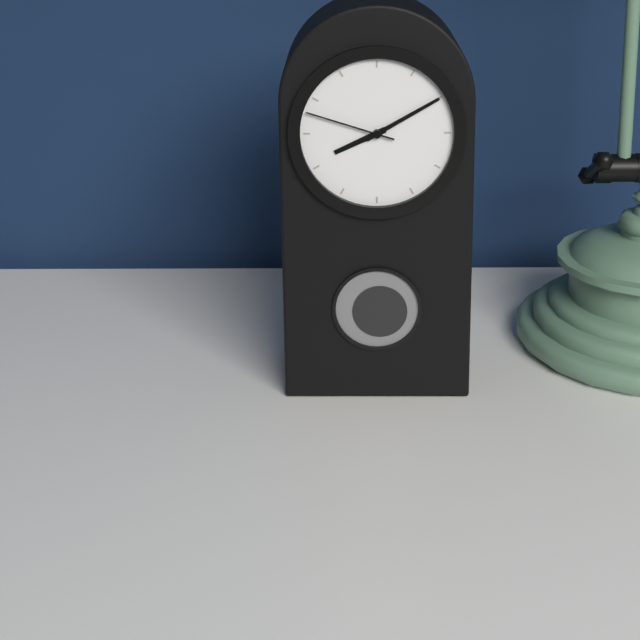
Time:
**8:10:48**
